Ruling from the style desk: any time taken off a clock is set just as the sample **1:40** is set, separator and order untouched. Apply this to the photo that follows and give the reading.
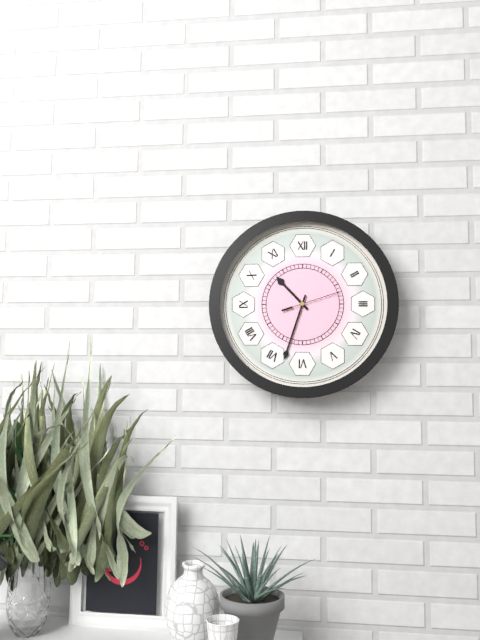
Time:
**10:33**
